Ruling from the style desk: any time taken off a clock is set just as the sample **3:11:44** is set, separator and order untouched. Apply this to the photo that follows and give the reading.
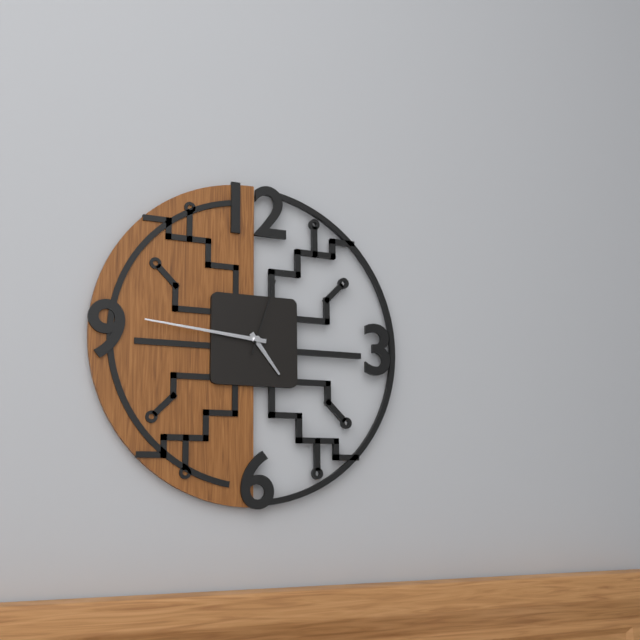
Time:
**4:46:03**
